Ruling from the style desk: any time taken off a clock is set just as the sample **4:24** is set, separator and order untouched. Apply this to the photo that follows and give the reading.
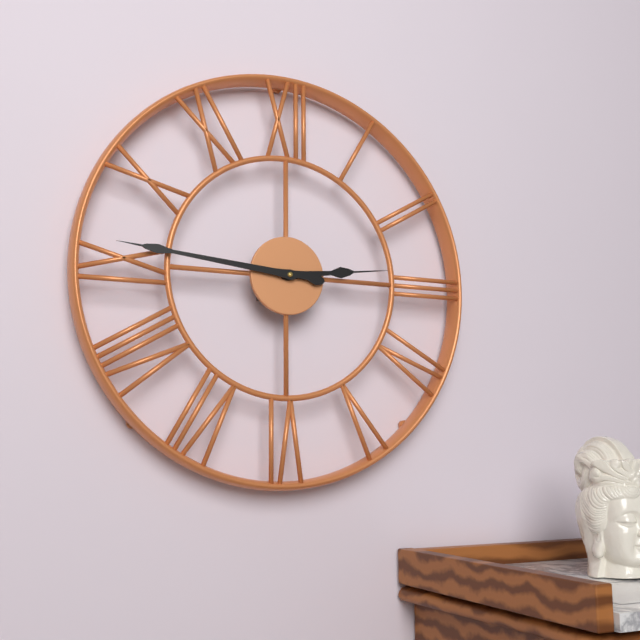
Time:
**2:46**
